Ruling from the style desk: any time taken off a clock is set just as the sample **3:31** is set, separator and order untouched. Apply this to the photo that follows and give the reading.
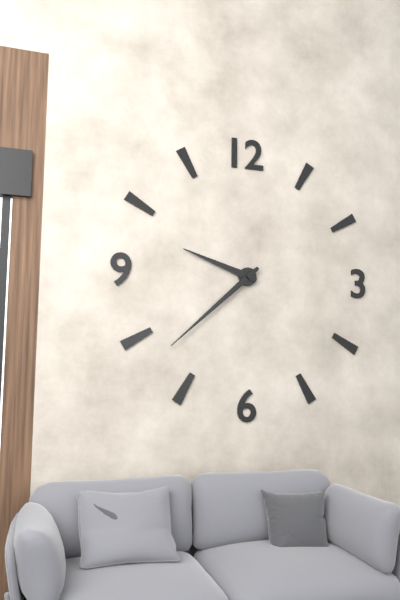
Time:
**9:38**
